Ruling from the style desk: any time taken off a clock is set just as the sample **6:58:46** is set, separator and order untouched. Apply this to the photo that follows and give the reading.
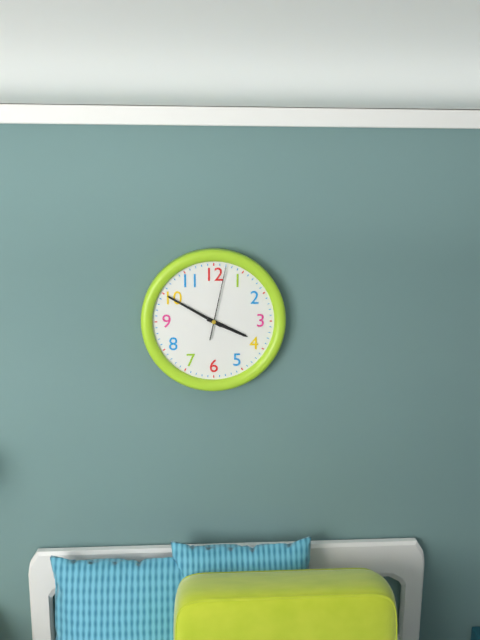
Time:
**3:50:02**
